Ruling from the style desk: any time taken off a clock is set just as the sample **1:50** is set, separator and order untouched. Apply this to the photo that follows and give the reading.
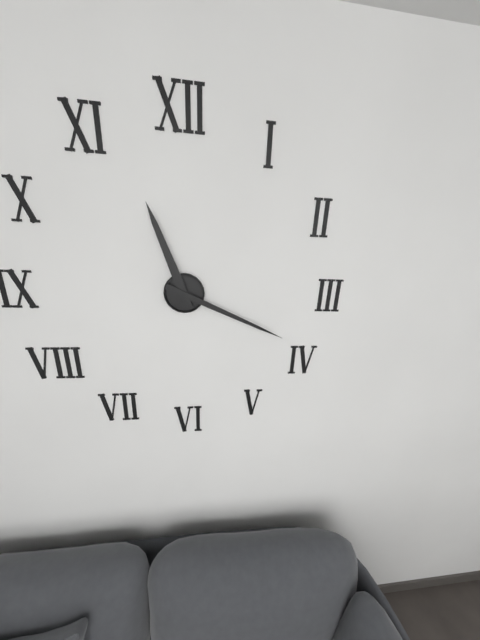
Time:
**11:19**
